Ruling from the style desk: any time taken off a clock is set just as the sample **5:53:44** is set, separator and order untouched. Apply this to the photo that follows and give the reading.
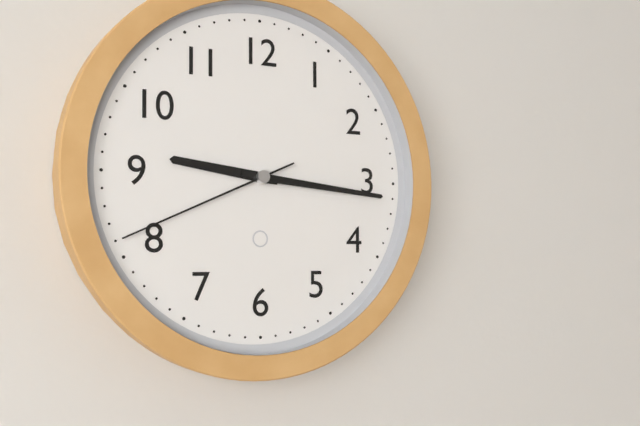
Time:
**9:16:41**
